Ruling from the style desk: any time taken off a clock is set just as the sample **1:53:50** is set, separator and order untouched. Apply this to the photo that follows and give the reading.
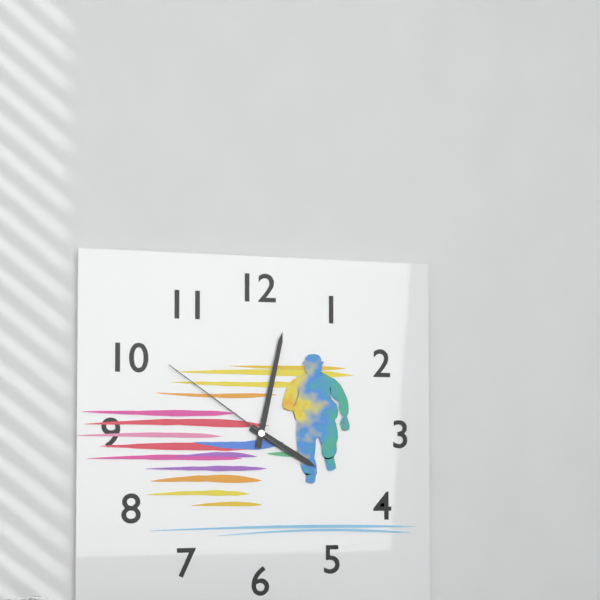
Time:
**4:02:51**
